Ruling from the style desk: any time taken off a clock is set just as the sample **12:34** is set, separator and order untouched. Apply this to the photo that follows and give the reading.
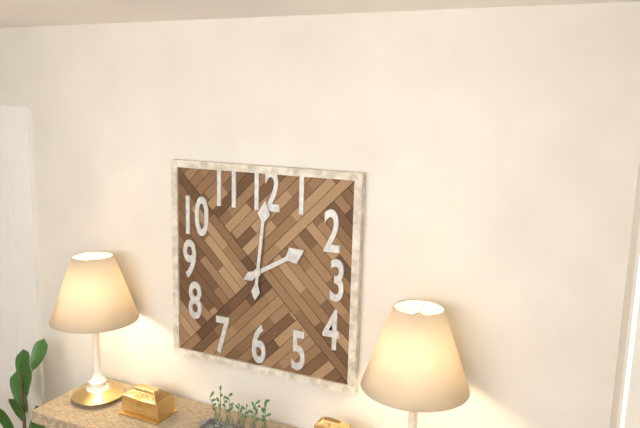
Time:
**2:01**
